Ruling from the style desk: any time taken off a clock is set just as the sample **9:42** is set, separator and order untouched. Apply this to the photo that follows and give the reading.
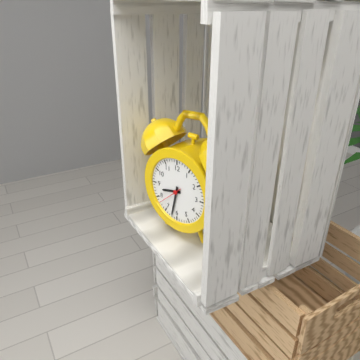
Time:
**8:32**
